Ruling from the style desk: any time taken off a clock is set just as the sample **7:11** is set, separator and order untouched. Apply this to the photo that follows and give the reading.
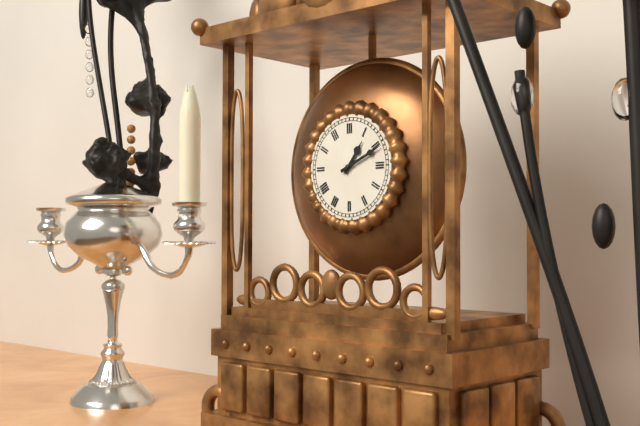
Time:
**1:11**
